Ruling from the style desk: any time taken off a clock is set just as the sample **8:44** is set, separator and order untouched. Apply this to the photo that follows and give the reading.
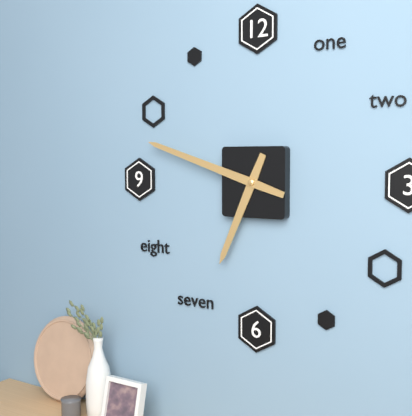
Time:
**6:48**
